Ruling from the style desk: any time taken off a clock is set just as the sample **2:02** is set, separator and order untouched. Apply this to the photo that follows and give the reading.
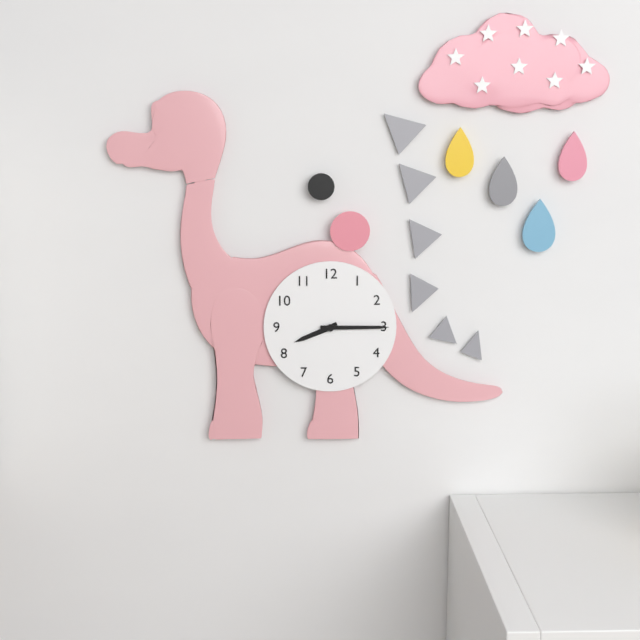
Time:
**8:15**
